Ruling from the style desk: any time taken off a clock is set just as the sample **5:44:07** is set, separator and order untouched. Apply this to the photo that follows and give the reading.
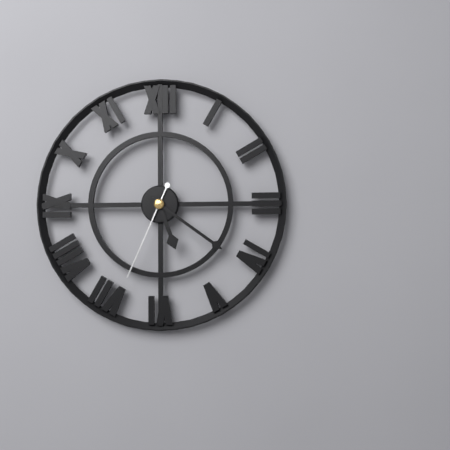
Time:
**5:21:34**
